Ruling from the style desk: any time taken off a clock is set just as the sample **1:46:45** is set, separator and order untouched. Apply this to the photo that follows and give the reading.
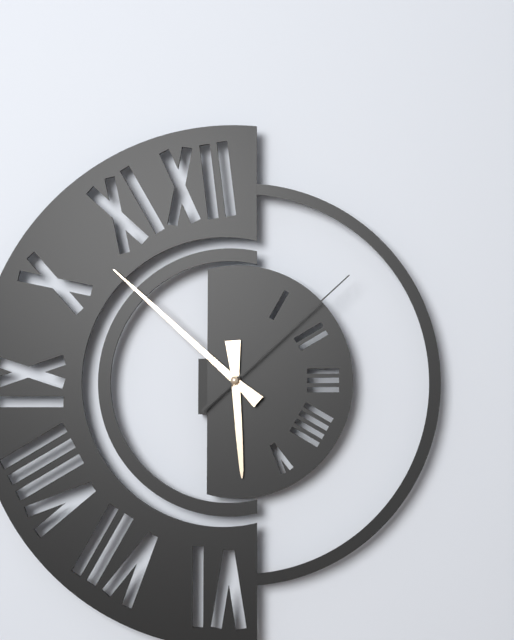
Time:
**5:52:08**
